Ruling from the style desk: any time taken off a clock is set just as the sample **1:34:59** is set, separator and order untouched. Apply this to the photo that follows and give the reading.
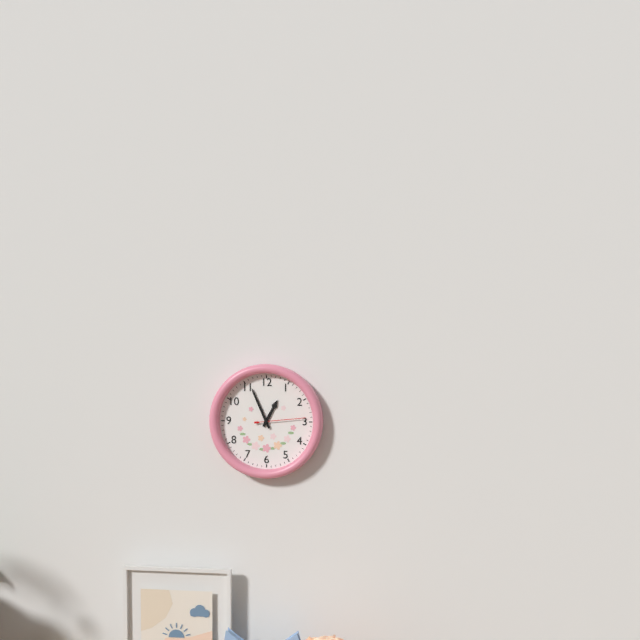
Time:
**12:56:14**
